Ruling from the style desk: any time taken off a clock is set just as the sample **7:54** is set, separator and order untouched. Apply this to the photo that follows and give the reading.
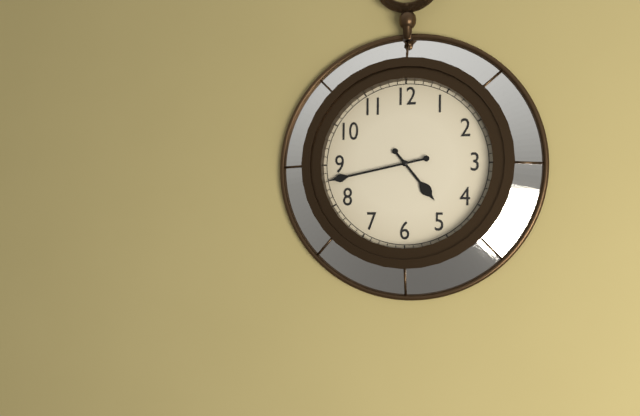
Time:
**4:43**
